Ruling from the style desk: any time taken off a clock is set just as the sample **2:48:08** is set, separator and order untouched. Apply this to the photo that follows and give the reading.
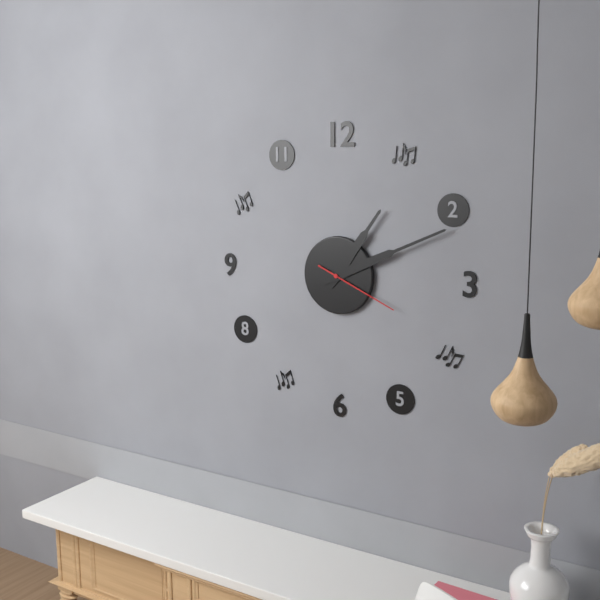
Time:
**1:11:19**
